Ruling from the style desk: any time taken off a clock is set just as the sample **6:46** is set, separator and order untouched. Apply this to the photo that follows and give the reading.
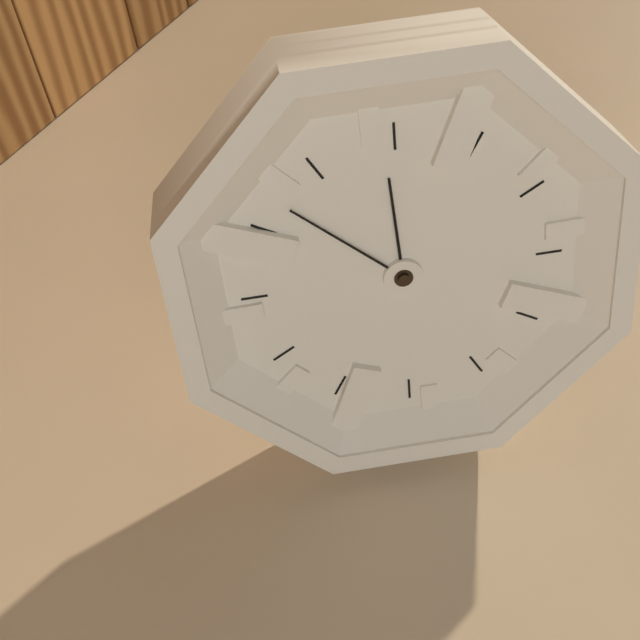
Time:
**11:52**
